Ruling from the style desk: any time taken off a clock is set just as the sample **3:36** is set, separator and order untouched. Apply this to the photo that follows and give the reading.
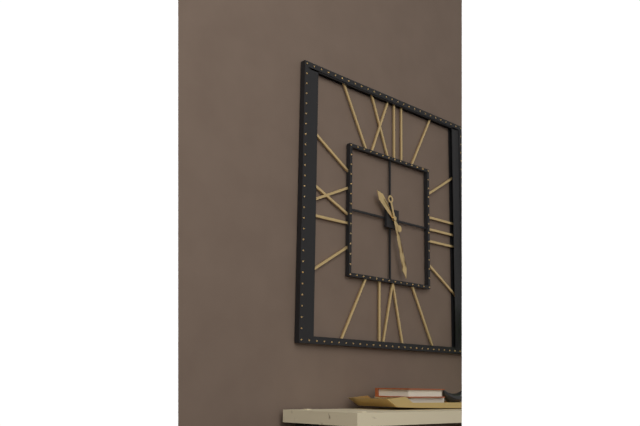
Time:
**10:27**
